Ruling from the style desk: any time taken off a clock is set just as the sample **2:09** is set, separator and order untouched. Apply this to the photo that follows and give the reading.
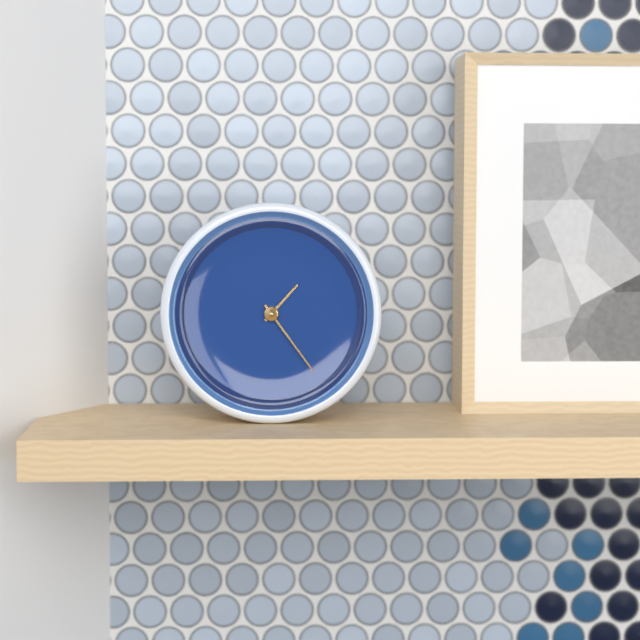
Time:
**1:24**
